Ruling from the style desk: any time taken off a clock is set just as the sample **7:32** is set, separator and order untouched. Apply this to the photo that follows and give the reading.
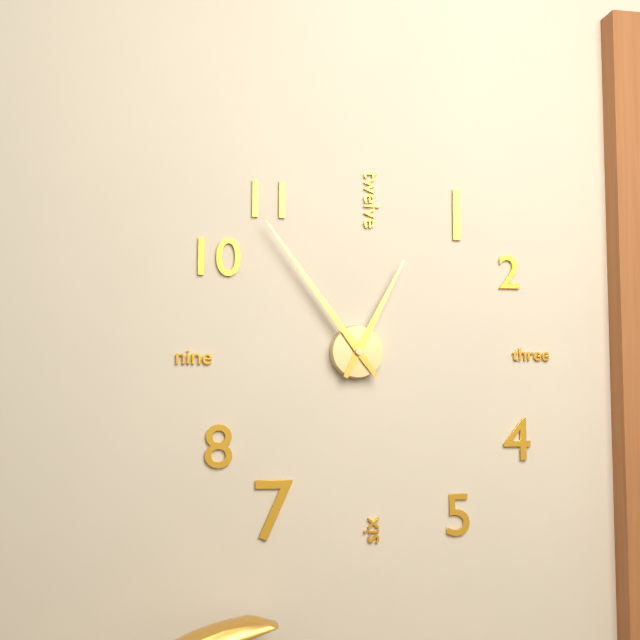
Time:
**12:54**
